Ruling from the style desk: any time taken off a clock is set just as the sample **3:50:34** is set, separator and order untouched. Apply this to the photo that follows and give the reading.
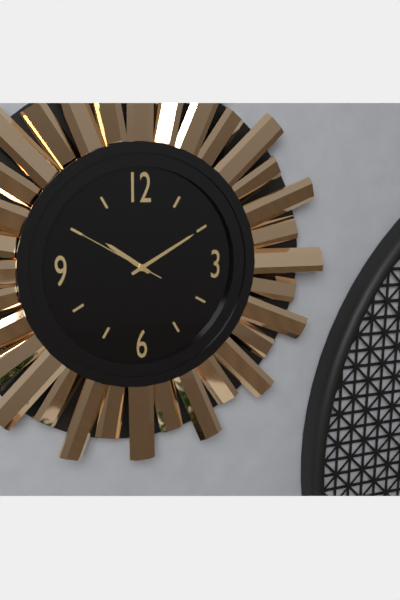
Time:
**10:10:50**
